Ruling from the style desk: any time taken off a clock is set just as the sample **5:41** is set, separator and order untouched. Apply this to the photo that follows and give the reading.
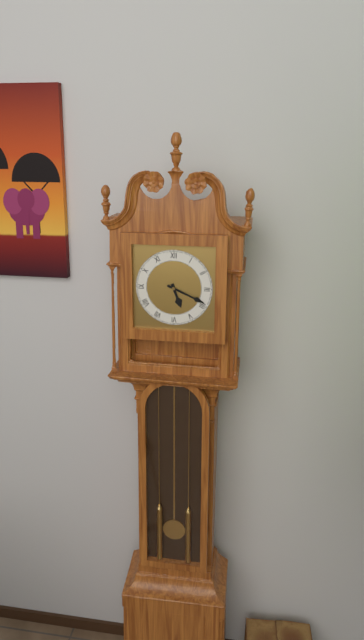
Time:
**5:19**
